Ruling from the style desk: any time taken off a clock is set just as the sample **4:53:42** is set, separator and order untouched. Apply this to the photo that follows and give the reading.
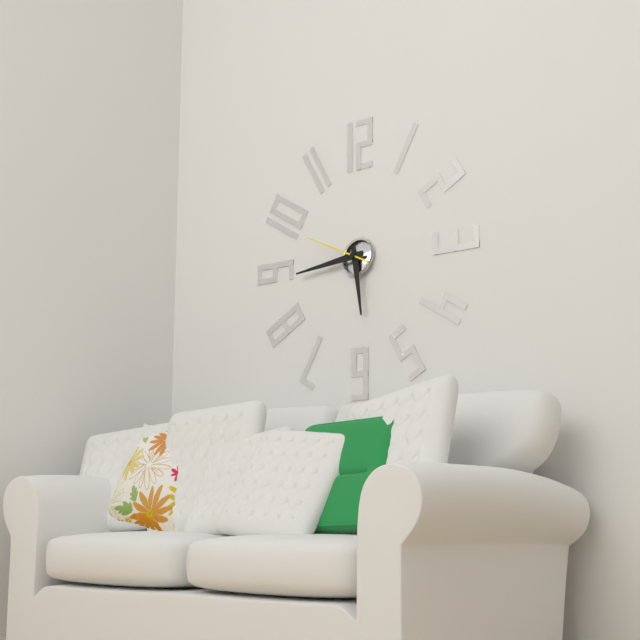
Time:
**5:44:49**
